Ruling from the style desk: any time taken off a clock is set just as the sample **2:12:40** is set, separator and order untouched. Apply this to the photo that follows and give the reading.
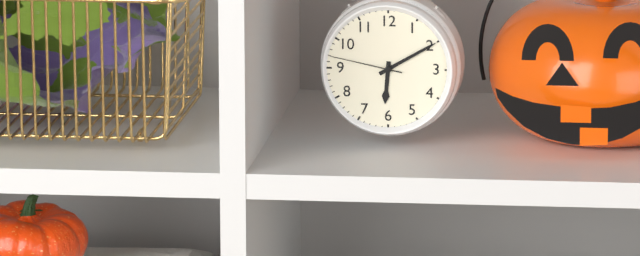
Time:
**6:10:47**
